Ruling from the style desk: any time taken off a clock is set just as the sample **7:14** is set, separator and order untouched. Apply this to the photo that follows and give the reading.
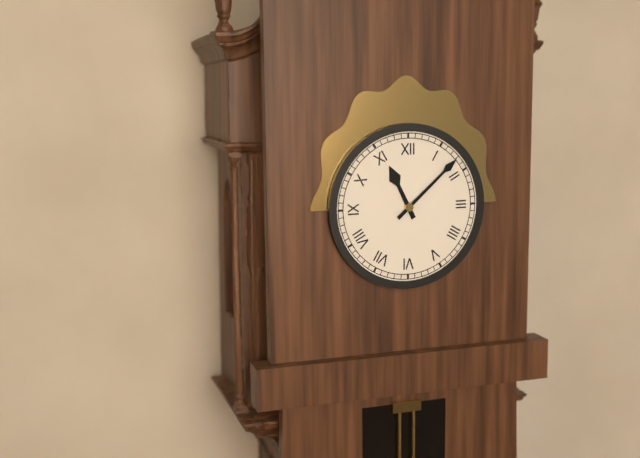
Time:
**11:08**
